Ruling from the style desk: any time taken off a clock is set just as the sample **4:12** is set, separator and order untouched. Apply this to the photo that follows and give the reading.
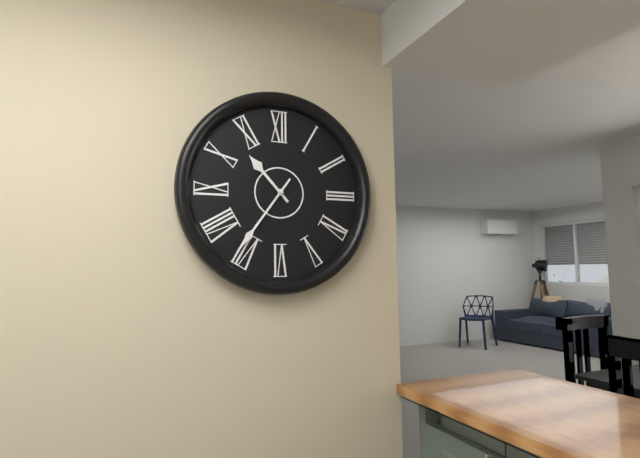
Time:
**10:36**
